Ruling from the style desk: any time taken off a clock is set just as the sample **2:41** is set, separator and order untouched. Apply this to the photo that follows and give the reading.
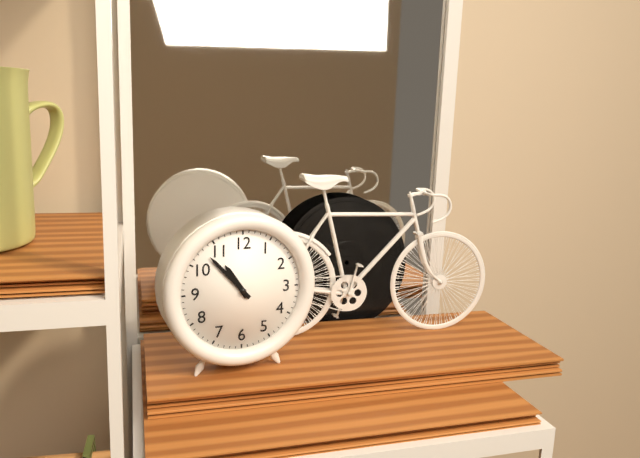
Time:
**10:53**
